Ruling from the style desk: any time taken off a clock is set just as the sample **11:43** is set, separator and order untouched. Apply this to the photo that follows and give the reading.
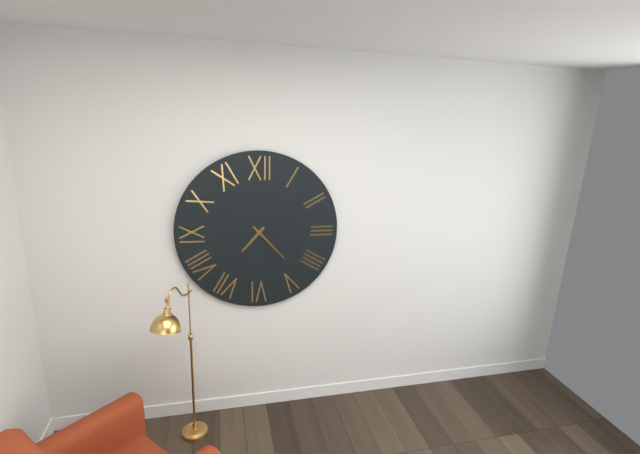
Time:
**7:23**
